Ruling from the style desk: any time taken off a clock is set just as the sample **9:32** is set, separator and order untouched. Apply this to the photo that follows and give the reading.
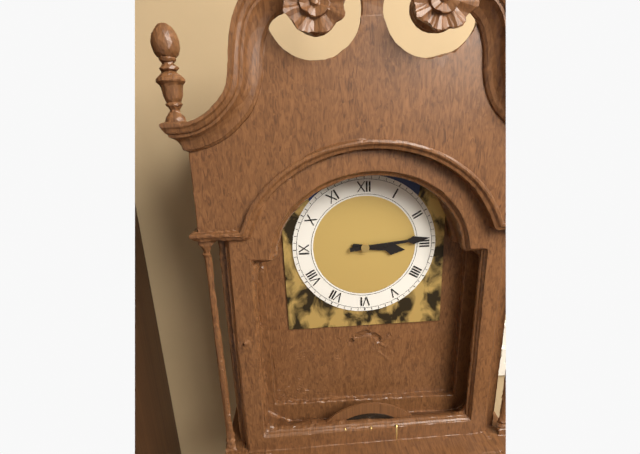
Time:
**3:14**
